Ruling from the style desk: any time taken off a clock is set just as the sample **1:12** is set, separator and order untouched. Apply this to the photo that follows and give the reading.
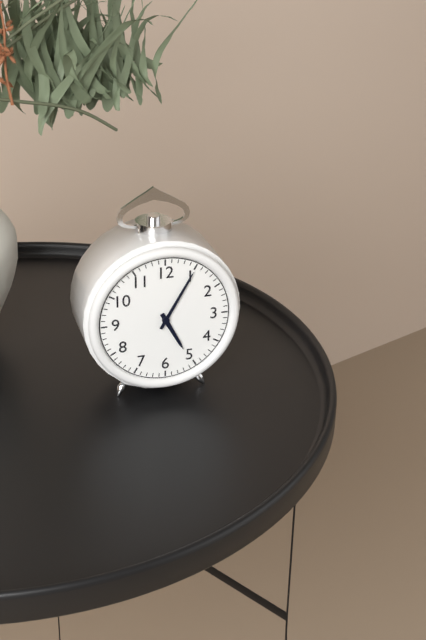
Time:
**5:05**
